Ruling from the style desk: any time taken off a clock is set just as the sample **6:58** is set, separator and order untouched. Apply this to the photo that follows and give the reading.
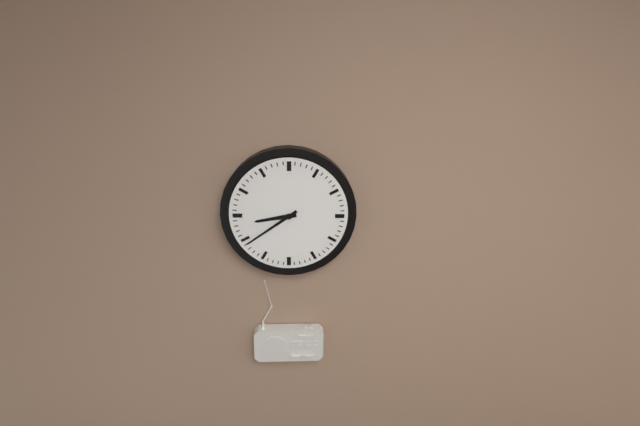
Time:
**8:39**
